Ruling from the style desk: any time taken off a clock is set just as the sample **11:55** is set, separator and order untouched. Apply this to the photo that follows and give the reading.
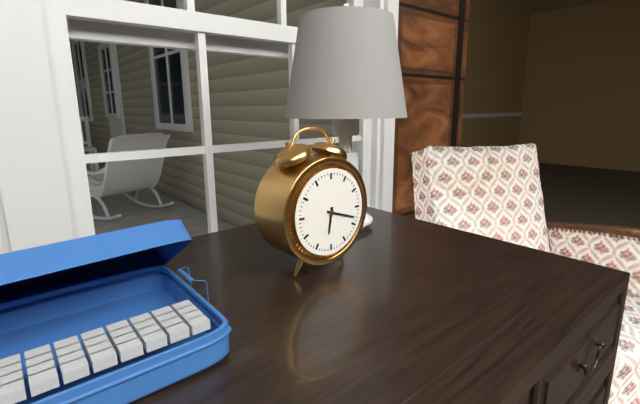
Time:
**6:18**
